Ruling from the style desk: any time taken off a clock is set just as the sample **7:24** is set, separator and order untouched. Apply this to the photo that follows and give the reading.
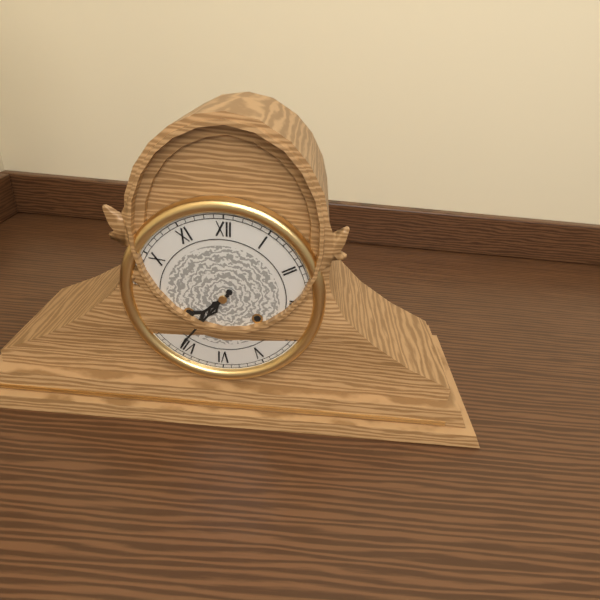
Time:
**7:36**
